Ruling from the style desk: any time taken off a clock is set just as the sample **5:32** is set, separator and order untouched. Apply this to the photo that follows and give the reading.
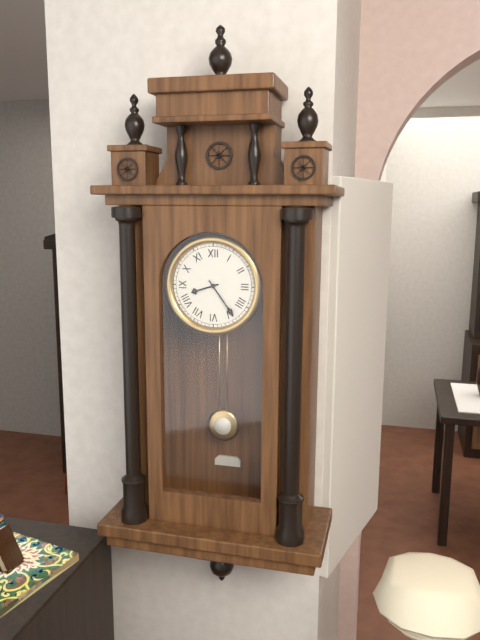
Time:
**8:24**
